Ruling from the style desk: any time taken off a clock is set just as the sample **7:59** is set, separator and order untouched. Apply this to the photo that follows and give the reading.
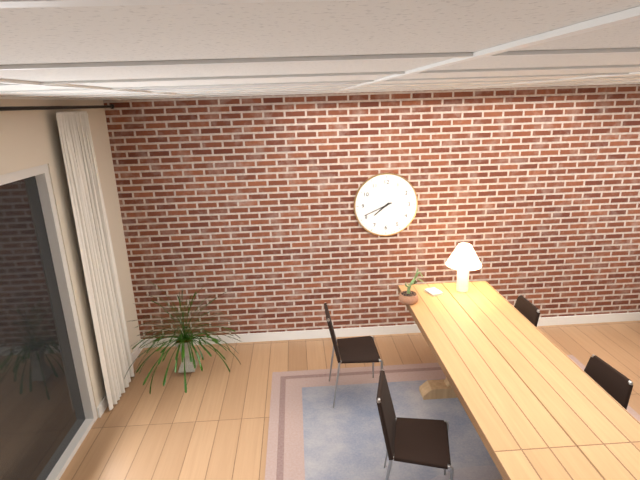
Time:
**7:41**
